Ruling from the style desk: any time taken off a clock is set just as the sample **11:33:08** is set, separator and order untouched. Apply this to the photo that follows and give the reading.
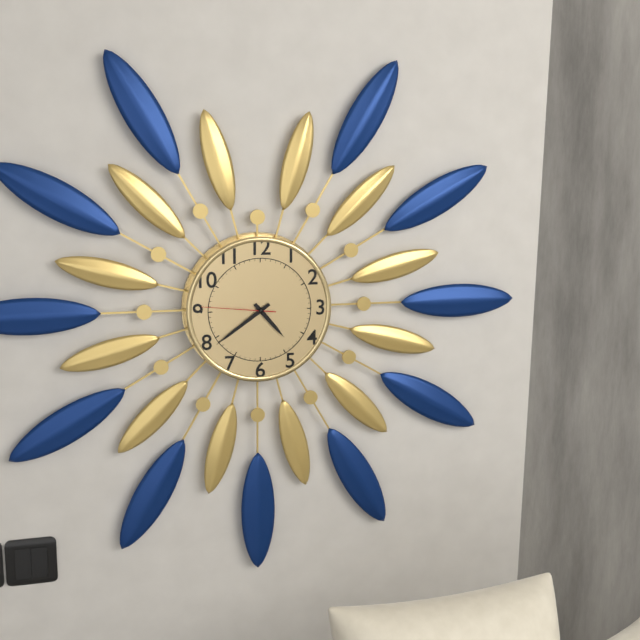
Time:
**4:39:46**
